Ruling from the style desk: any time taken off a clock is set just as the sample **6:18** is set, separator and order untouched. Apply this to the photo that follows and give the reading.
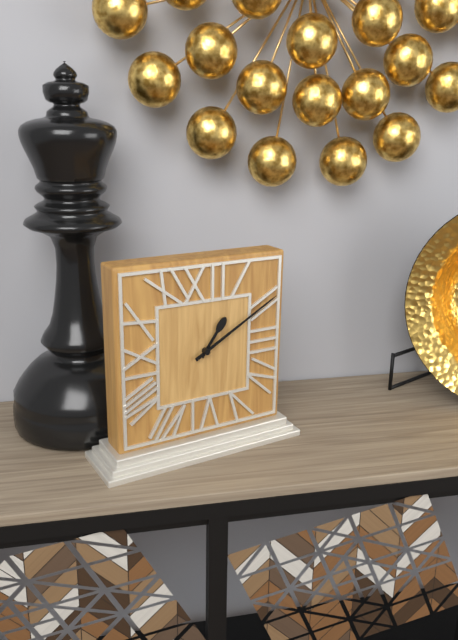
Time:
**1:10**
